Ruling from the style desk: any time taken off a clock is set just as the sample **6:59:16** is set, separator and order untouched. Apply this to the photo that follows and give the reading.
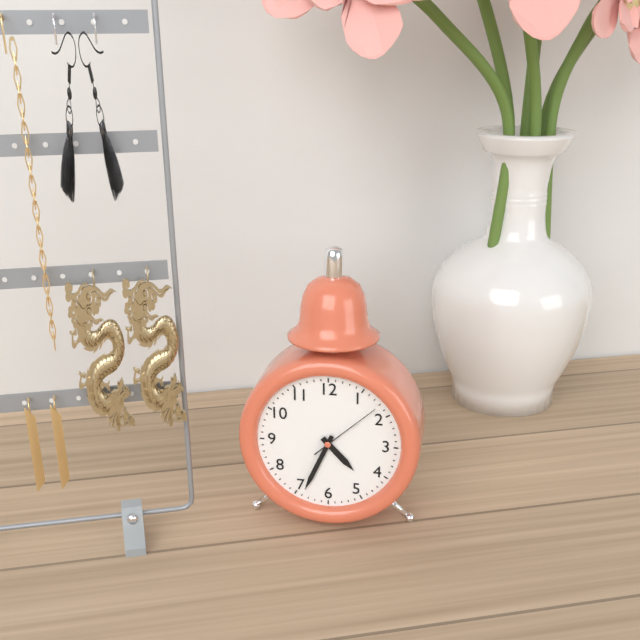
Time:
**4:34:08**
